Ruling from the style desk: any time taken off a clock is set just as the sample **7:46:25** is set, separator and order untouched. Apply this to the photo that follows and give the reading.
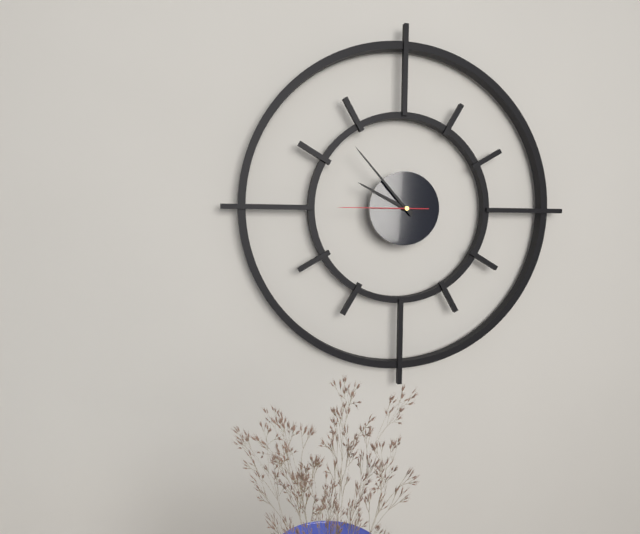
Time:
**9:53:45**
